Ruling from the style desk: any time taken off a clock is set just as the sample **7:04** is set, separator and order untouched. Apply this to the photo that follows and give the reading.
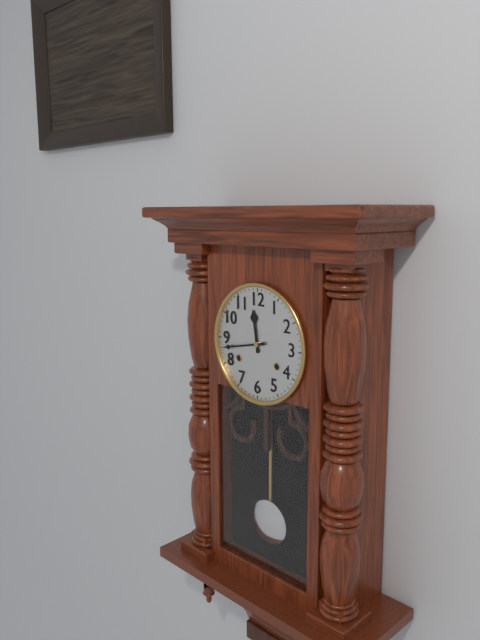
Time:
**11:43**
